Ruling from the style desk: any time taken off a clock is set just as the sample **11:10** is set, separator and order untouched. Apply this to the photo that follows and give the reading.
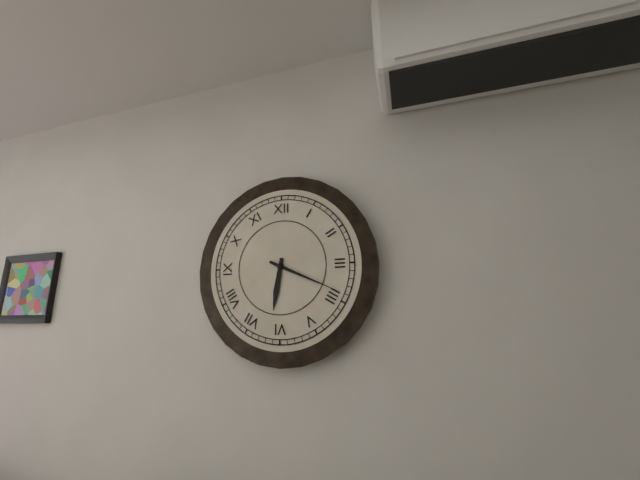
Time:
**6:19**
